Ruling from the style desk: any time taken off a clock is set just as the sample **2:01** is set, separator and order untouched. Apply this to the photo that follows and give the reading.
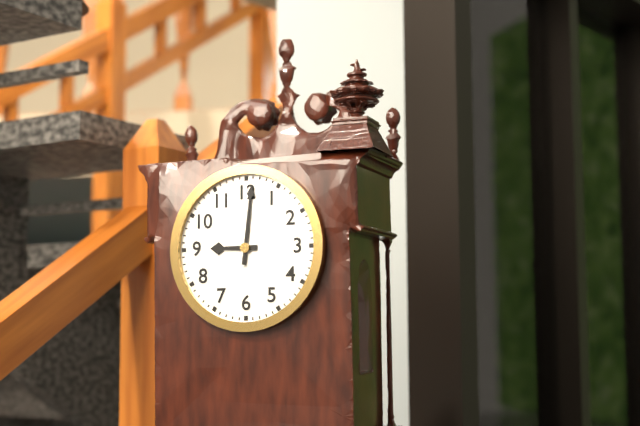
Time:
**9:01**
